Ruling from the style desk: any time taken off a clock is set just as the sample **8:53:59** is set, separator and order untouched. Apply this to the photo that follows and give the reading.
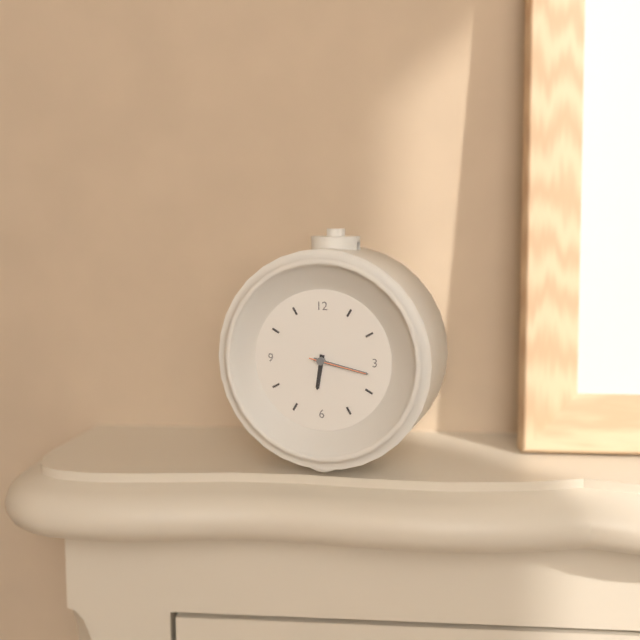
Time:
**6:17:17**
